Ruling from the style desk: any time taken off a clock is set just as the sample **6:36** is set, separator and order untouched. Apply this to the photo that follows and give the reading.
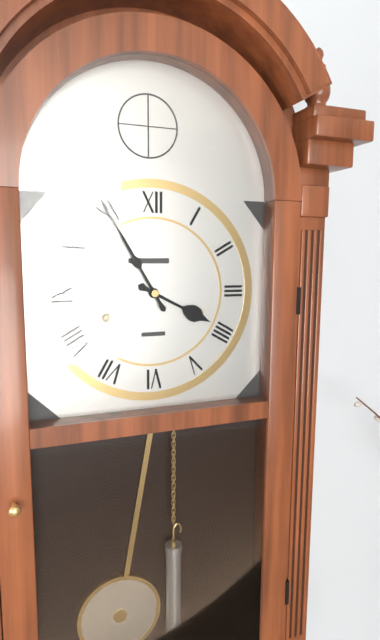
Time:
**3:55**
